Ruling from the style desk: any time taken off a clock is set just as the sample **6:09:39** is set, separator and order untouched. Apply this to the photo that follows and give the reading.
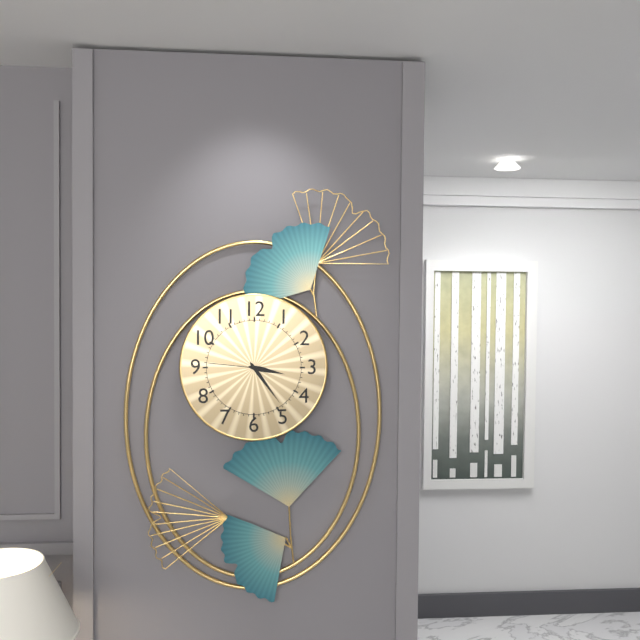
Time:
**3:24:46**
